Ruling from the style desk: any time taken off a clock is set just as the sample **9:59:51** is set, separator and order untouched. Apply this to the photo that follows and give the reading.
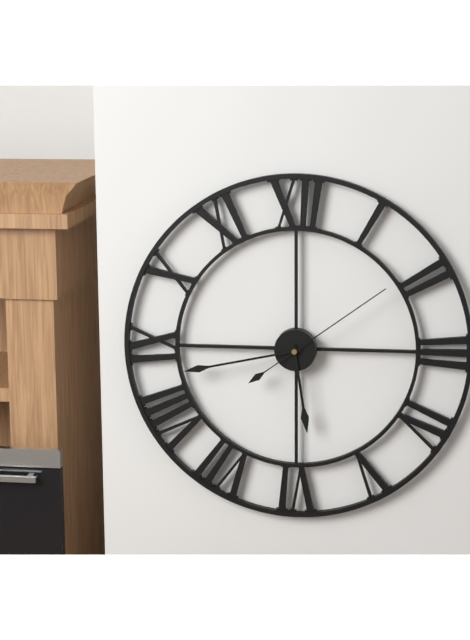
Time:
**5:43:09**
